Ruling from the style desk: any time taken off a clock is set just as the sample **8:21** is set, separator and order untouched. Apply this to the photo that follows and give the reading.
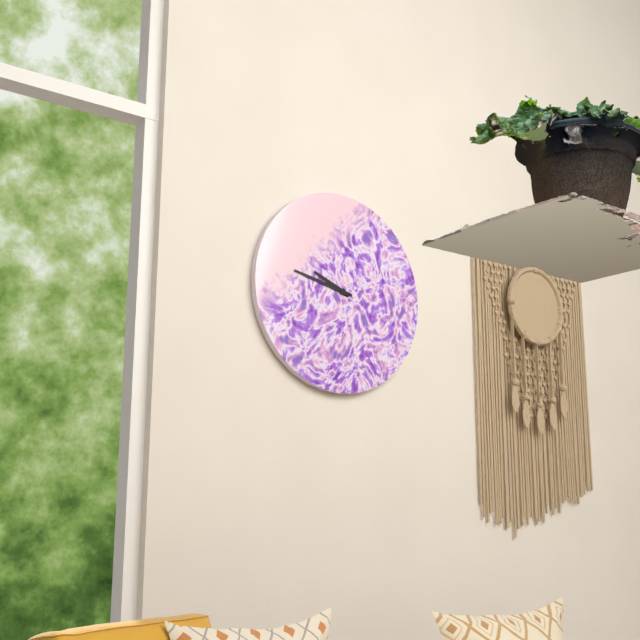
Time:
**9:47**
